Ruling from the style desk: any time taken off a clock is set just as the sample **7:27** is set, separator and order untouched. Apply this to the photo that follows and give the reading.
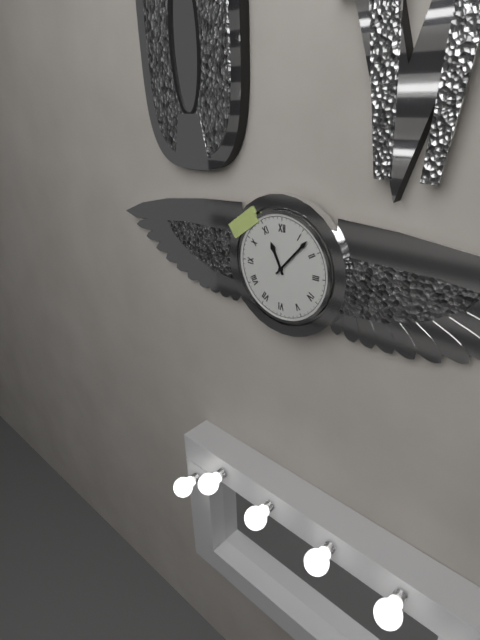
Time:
**11:07**
